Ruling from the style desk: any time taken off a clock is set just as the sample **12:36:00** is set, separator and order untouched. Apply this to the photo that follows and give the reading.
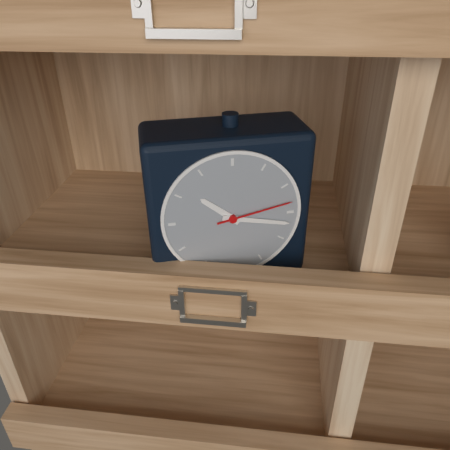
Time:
**10:17:13**
